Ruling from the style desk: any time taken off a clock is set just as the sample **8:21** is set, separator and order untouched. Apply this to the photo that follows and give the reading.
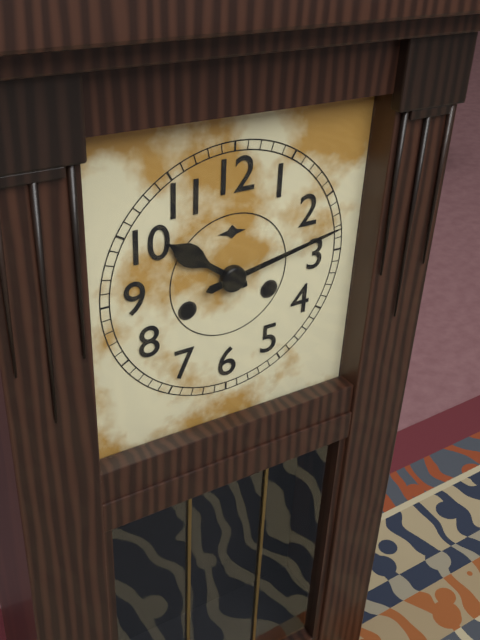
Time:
**10:13**
